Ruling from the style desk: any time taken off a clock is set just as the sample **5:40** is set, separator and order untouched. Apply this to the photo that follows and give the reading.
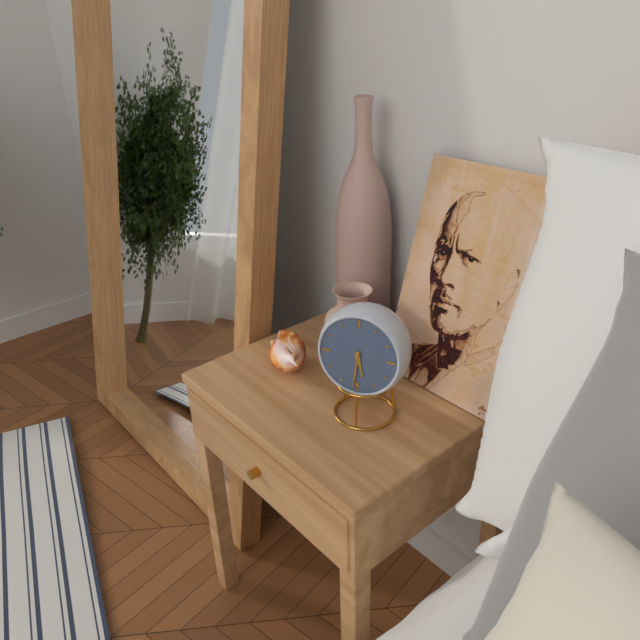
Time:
**5:31**
